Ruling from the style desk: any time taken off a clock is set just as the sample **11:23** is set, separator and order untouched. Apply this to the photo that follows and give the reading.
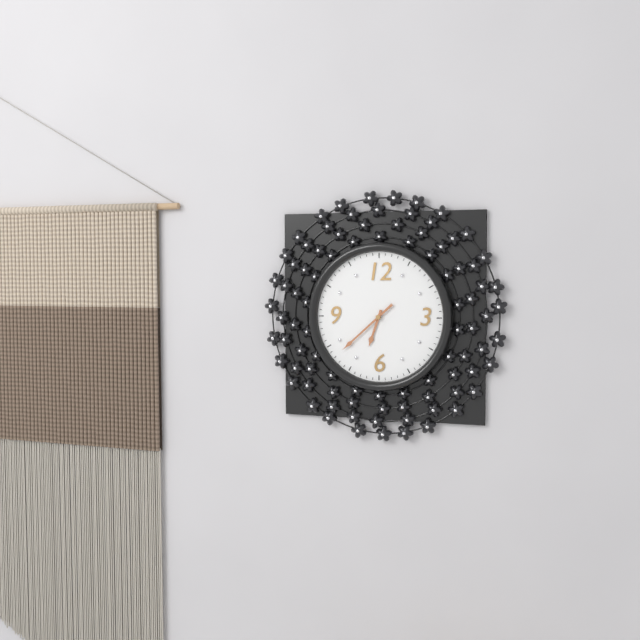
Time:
**6:38**
